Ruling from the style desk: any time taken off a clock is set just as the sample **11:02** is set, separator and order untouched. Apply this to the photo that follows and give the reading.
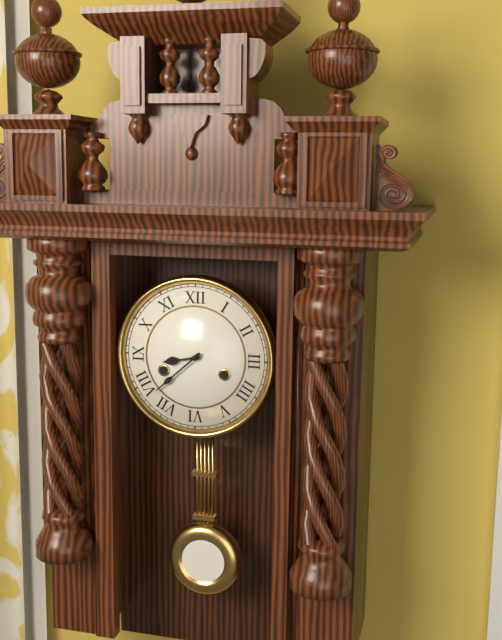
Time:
**8:38**
